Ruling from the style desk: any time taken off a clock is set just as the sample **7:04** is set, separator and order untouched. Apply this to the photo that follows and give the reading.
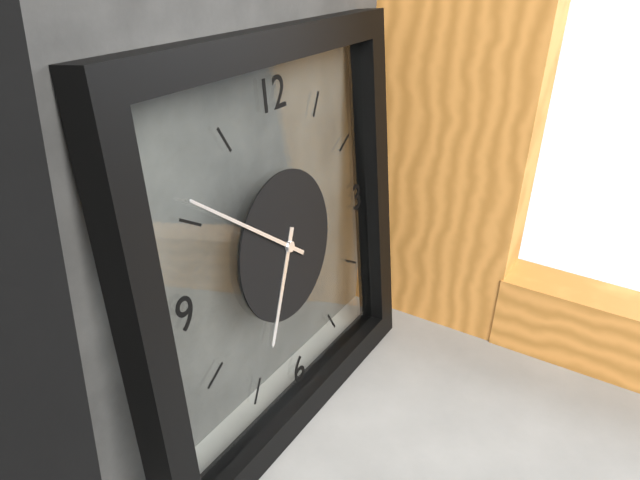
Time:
**6:51**
